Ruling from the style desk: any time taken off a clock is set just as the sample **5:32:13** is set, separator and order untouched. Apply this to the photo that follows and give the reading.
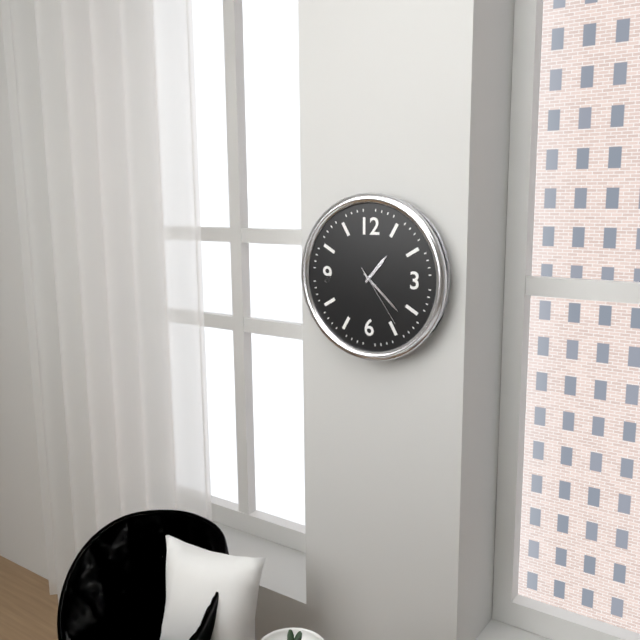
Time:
**1:22:24**
